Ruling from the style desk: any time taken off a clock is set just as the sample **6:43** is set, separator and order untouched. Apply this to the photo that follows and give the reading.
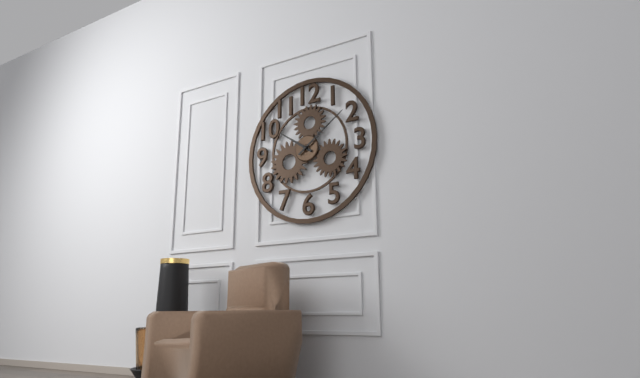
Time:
**10:09**
